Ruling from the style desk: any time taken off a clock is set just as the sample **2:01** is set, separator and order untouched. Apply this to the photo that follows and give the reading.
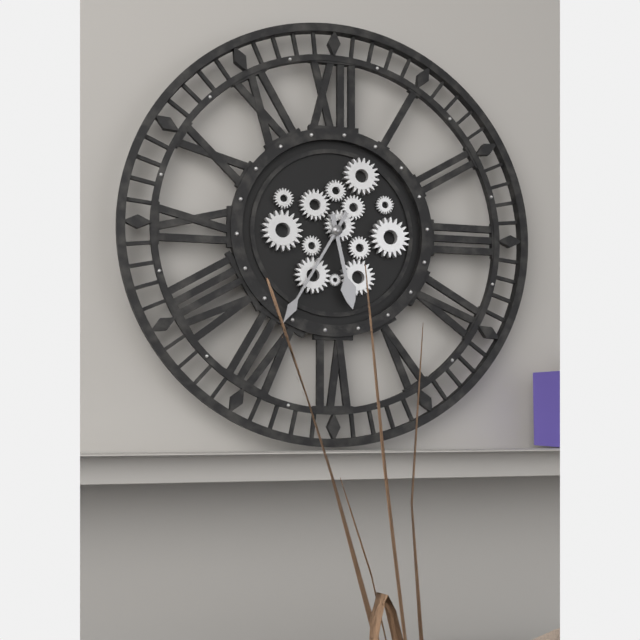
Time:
**5:35**
